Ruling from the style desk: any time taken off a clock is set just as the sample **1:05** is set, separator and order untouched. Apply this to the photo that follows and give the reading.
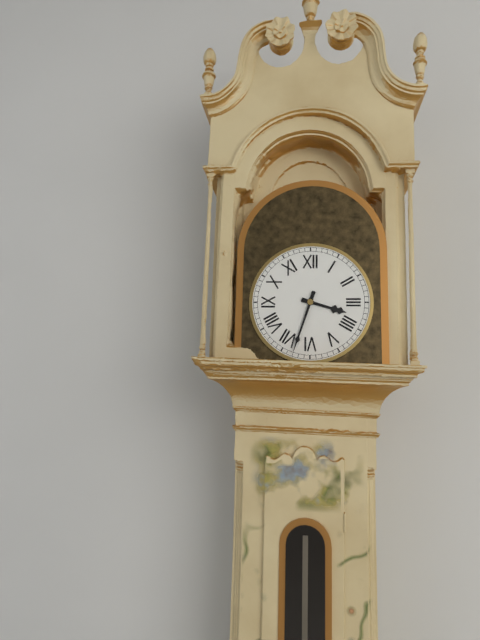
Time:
**3:33**
